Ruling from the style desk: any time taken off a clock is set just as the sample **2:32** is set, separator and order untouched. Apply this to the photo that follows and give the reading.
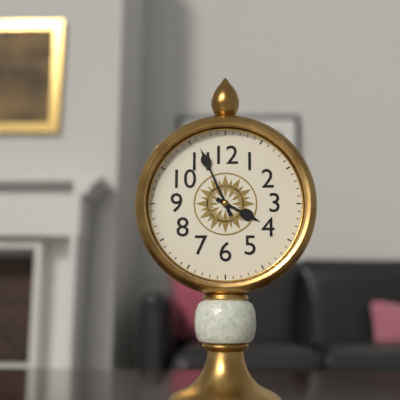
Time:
**3:56**
